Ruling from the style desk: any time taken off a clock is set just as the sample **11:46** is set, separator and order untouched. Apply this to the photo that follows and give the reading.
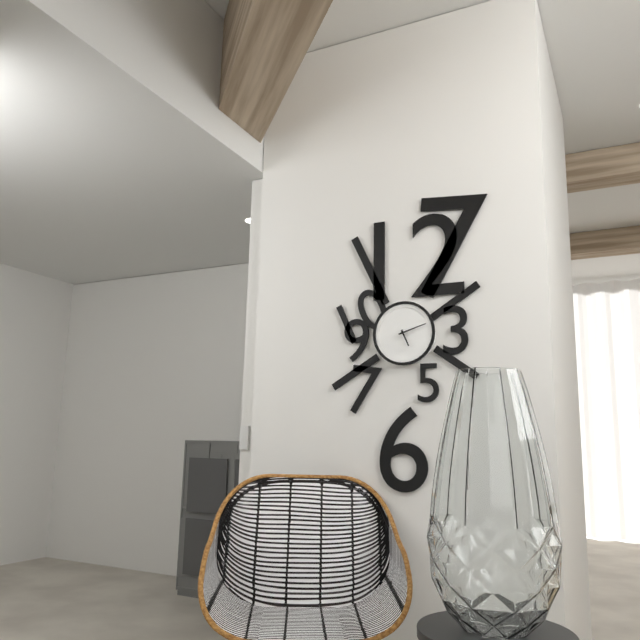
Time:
**5:12**
